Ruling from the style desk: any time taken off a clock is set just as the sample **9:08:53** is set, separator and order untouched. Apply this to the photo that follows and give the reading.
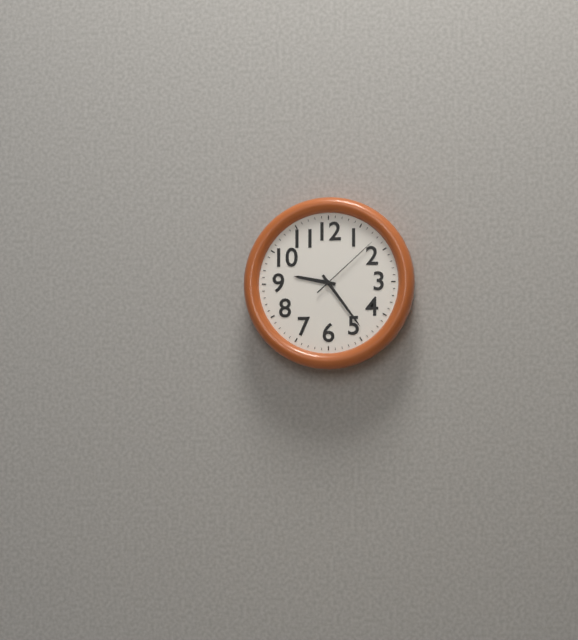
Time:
**9:24:08**
